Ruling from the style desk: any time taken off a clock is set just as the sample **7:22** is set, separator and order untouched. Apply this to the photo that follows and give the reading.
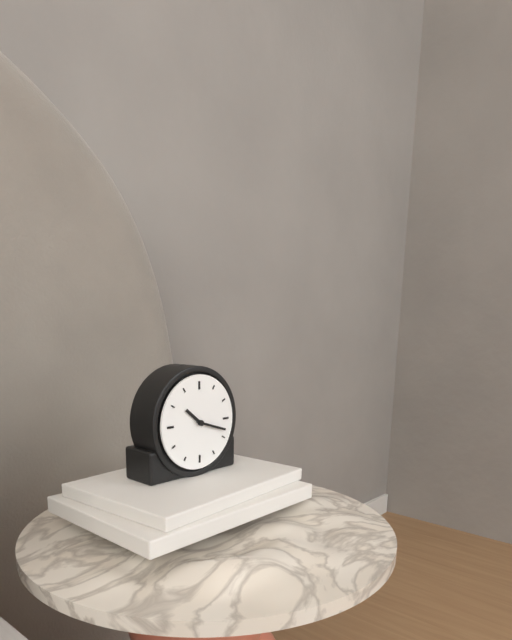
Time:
**10:18**
